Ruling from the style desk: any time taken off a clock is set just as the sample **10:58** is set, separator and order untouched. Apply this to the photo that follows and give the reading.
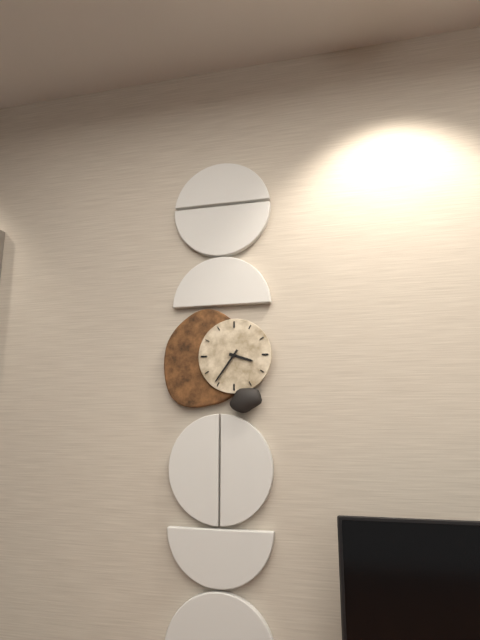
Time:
**3:36**
